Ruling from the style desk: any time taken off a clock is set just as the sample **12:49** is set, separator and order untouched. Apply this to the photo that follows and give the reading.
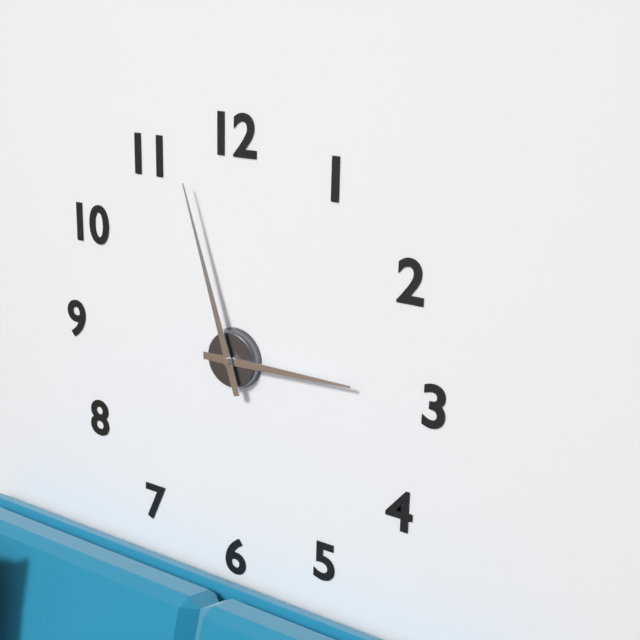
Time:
**2:57**
